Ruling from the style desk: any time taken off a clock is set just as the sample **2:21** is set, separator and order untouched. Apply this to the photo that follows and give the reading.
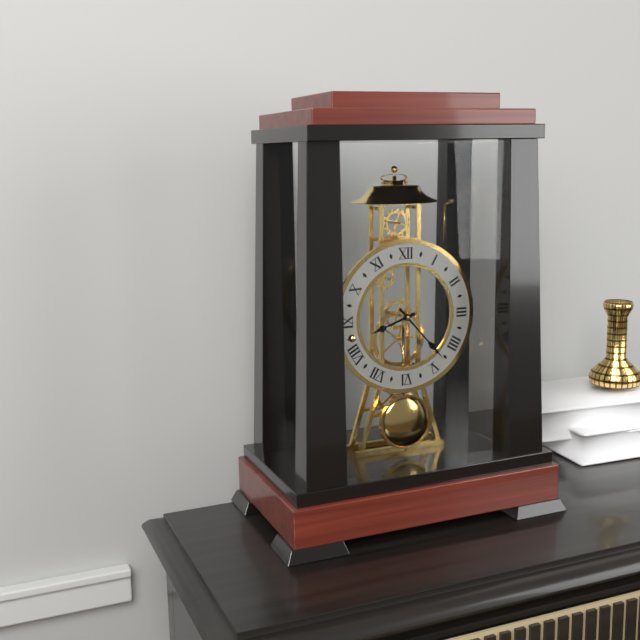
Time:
**8:23**
